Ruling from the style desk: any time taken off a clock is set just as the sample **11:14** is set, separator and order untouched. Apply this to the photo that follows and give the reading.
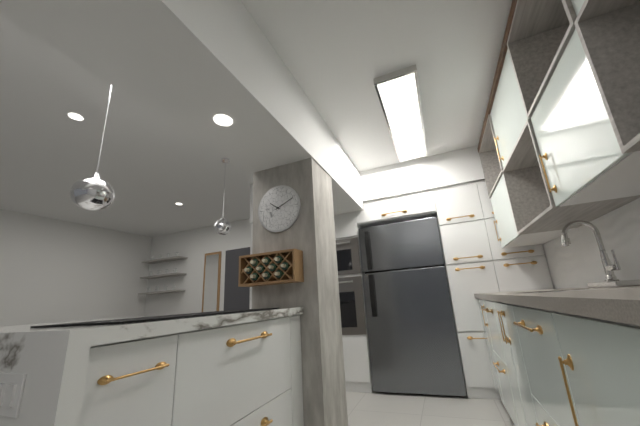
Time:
**10:11**
